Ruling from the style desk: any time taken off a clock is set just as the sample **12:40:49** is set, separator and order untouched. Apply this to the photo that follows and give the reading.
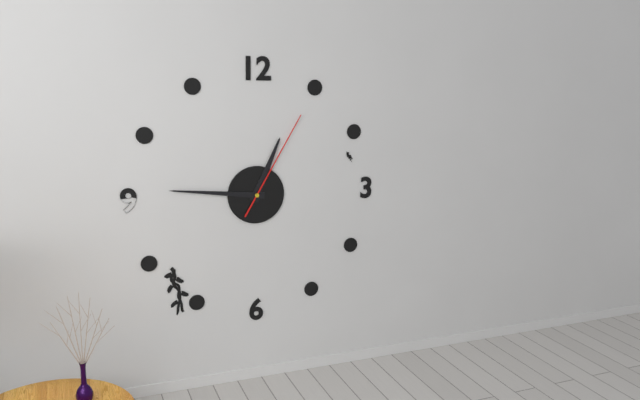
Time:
**12:46:05**
